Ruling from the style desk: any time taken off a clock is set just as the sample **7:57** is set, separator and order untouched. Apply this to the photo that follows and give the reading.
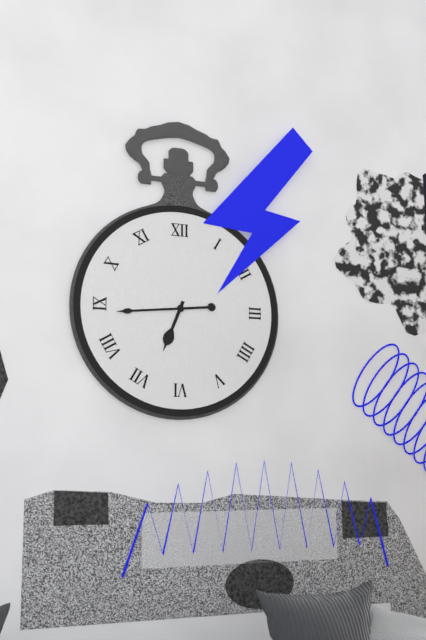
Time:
**6:44**
